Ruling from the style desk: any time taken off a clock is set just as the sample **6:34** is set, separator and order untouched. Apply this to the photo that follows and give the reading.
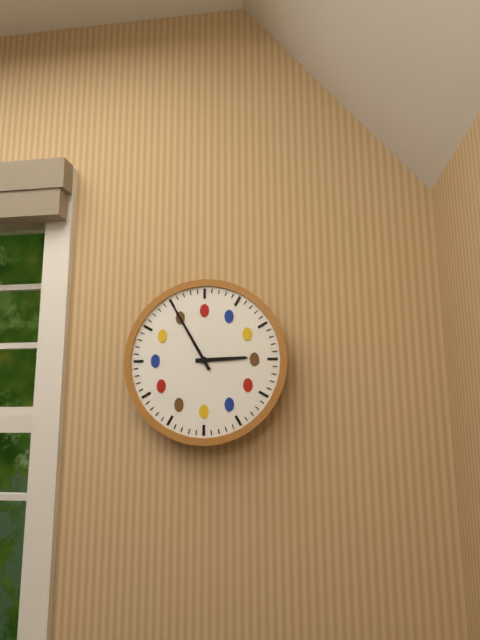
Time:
**2:55**
